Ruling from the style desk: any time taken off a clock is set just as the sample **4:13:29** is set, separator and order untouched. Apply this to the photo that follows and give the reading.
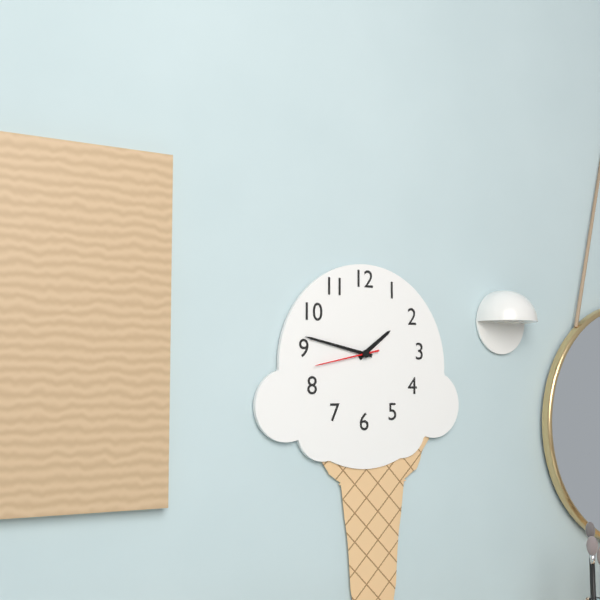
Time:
**1:47:43**
